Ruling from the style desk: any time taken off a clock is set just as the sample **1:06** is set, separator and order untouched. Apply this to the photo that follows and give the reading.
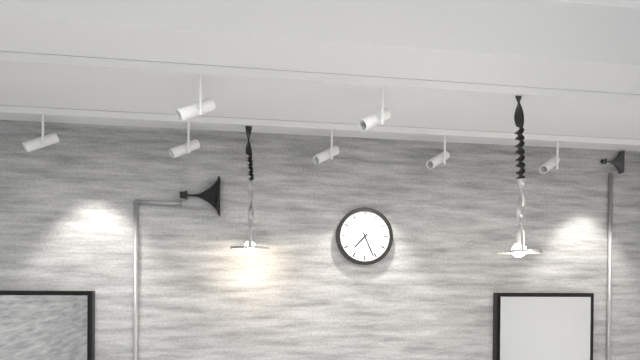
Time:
**7:26**
